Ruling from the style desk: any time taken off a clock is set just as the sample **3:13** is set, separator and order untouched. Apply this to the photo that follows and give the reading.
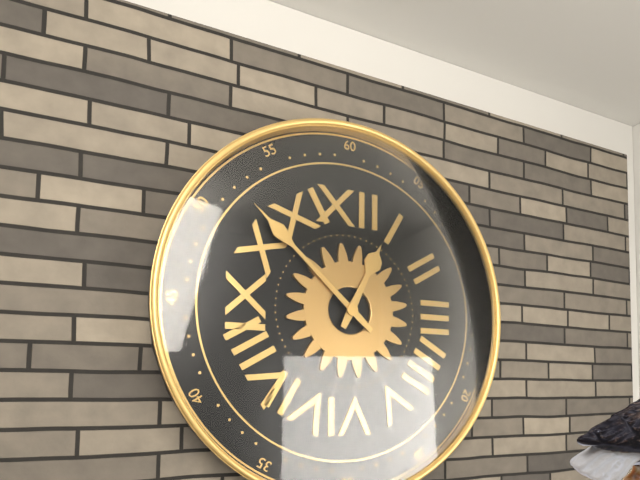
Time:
**12:52**
